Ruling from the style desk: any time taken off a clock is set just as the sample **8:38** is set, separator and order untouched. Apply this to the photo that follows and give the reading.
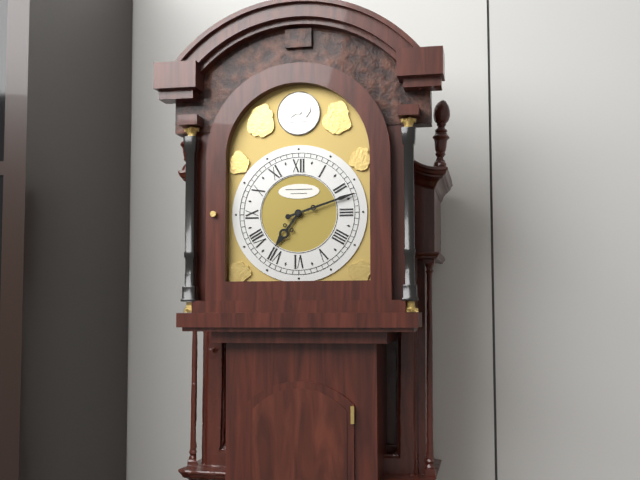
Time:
**7:12**
